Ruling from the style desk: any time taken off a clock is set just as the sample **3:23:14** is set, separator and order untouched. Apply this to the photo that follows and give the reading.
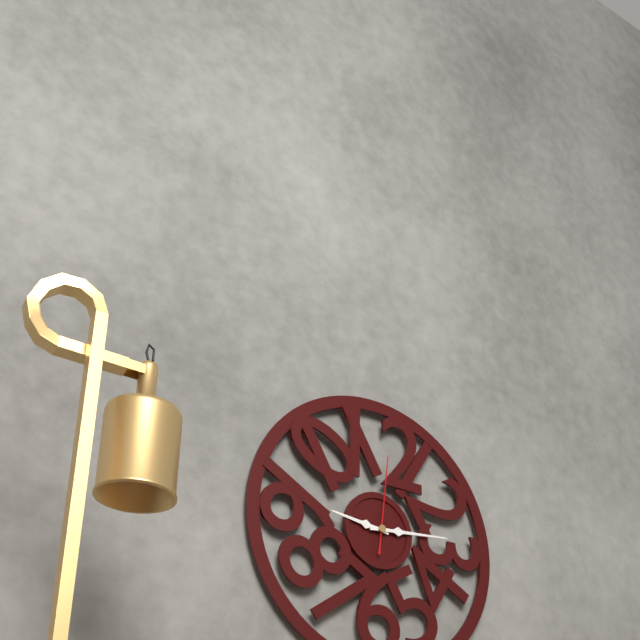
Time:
**9:14:01**
